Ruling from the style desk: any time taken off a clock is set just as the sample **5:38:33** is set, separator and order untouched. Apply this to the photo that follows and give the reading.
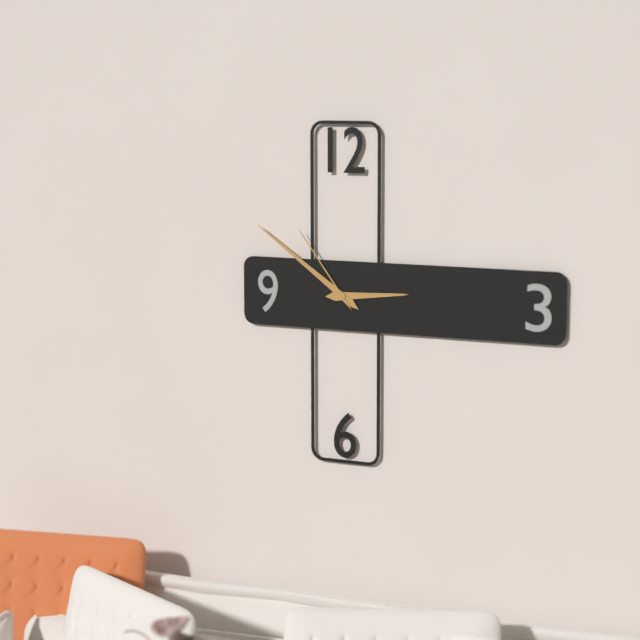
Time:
**2:51:54**
